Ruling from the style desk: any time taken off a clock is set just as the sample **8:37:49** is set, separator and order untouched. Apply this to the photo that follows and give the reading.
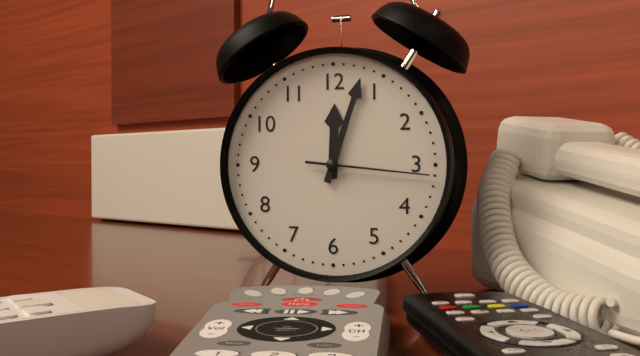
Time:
**12:03:16**
